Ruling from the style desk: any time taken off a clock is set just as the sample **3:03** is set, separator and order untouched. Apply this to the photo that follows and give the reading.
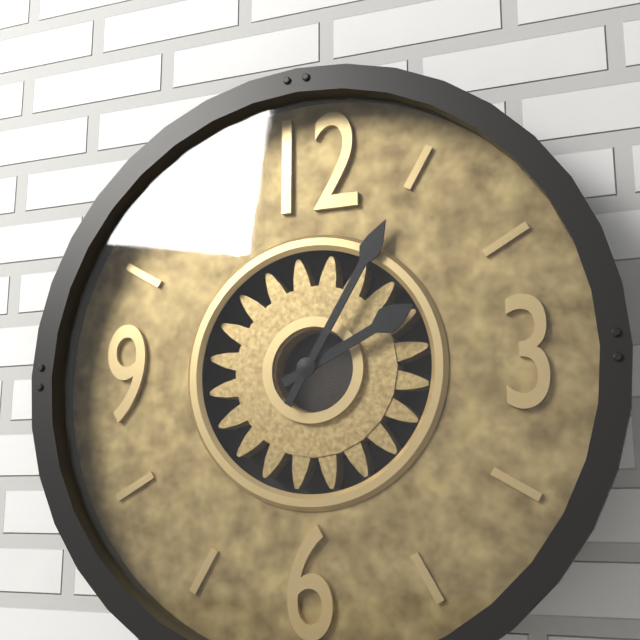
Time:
**2:05**
